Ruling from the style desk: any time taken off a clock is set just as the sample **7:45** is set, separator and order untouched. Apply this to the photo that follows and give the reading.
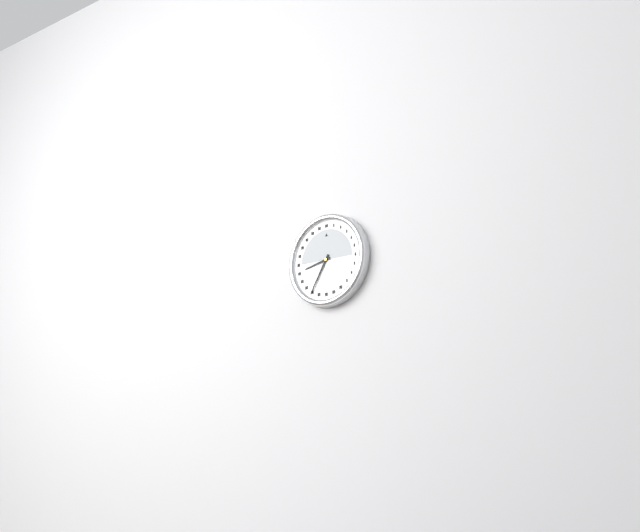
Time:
**8:35**
